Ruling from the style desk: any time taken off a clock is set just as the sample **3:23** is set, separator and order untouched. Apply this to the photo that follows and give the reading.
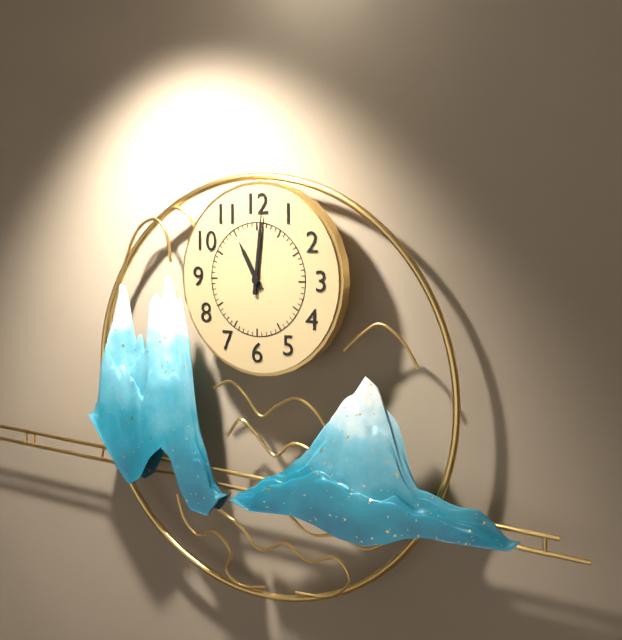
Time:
**11:01**
